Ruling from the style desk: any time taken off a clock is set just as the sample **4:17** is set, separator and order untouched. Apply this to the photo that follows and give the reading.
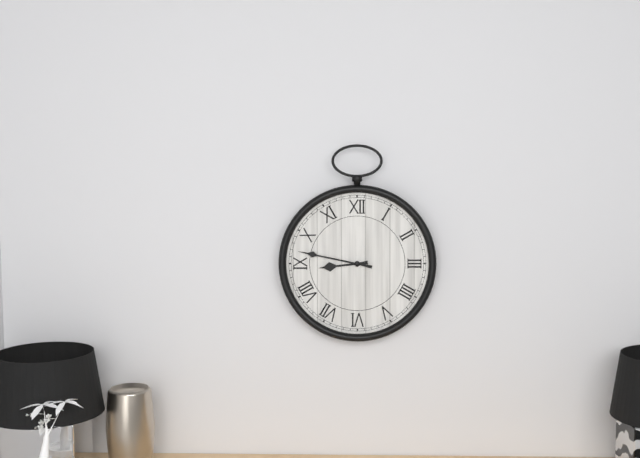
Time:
**8:47**
